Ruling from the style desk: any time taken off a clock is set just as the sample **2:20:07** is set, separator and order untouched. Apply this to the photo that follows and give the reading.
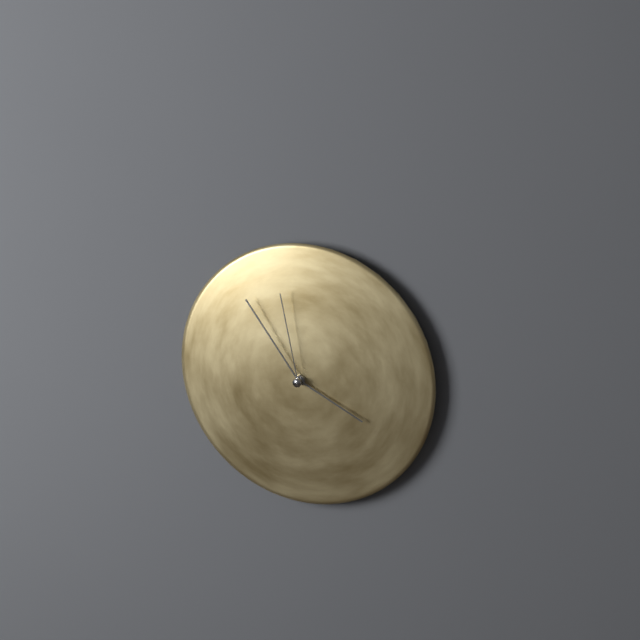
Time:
**3:54:58**
